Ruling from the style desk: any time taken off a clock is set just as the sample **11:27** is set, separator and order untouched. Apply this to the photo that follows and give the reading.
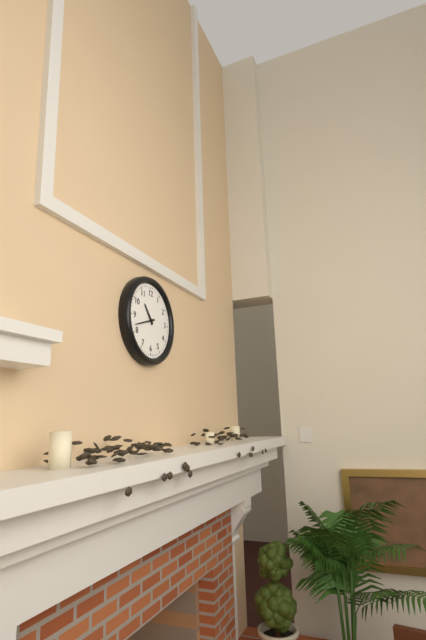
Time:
**10:42**
